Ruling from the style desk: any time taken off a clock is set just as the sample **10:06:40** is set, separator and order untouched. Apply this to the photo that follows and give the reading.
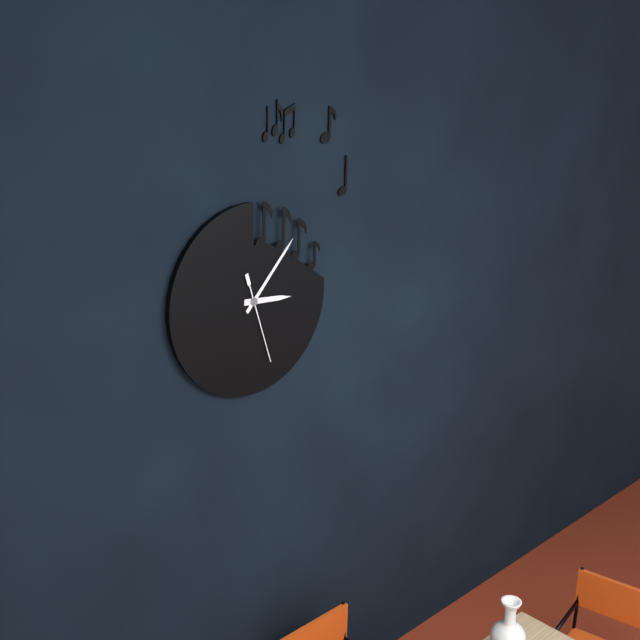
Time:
**3:07:27**
